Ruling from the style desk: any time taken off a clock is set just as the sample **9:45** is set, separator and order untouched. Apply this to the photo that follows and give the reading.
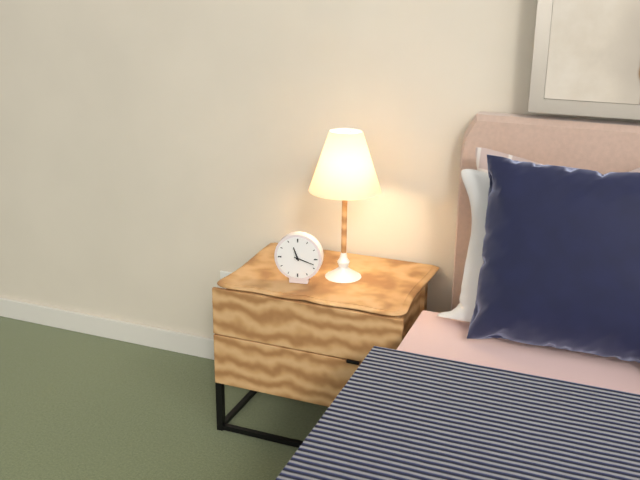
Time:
**11:18**
